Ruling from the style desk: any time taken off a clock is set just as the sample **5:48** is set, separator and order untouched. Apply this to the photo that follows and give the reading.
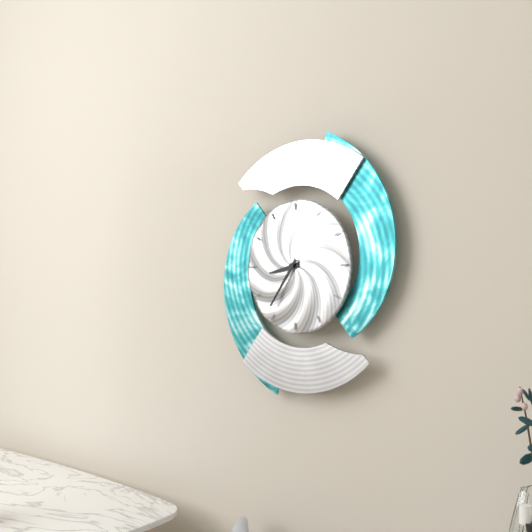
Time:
**8:36**
